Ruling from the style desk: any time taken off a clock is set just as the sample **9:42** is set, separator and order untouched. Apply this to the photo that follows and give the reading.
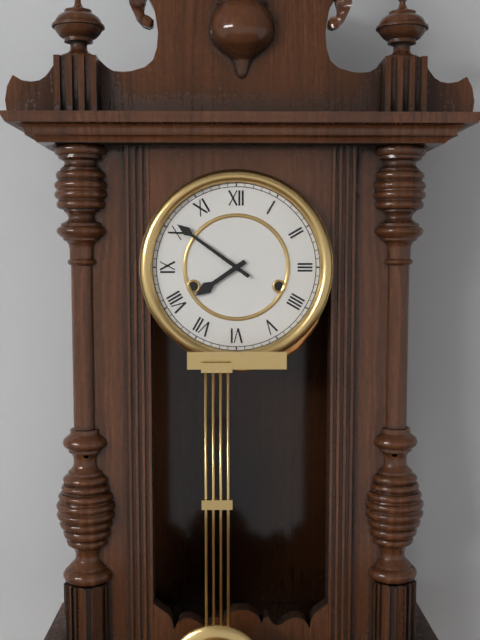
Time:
**7:51**
